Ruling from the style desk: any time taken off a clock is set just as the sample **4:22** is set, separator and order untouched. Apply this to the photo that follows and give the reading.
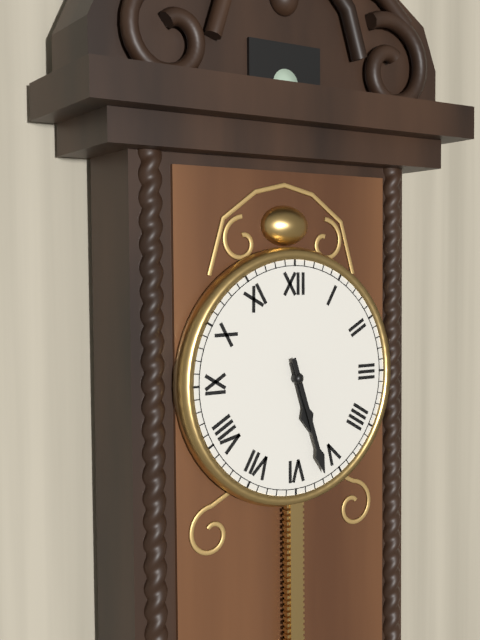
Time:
**5:27**
